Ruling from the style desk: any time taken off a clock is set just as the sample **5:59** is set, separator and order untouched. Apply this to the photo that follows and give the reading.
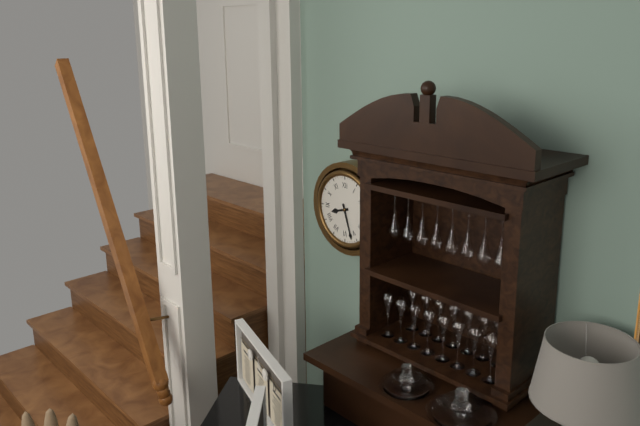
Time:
**8:27**
